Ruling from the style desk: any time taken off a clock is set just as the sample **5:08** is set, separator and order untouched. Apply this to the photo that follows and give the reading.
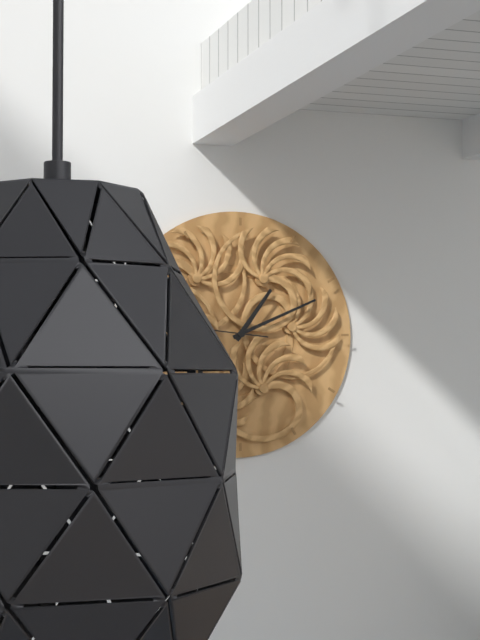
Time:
**1:11**
